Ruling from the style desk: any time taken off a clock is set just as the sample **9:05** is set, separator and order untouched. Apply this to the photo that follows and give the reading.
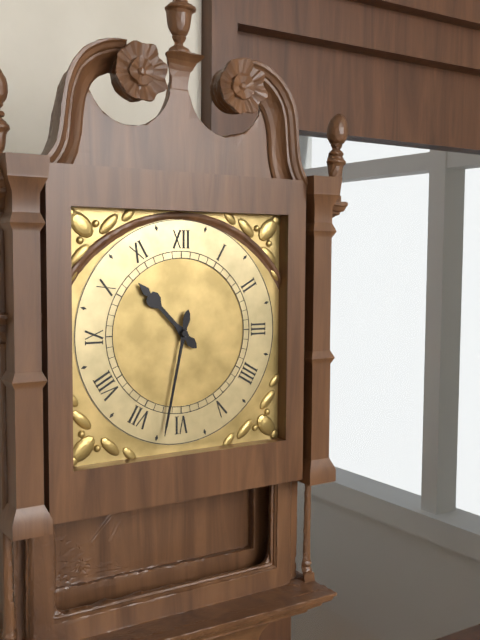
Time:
**10:32**
